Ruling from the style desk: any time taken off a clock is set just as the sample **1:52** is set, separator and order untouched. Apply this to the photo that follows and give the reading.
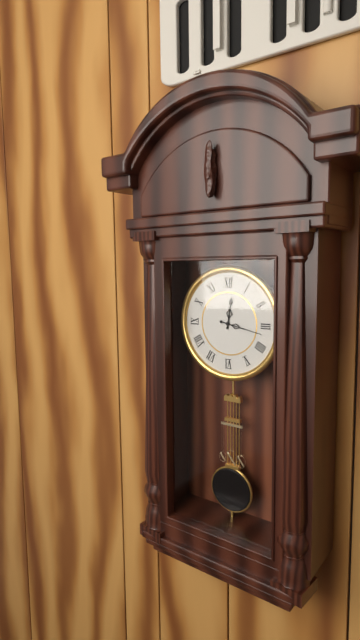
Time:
**12:17**
